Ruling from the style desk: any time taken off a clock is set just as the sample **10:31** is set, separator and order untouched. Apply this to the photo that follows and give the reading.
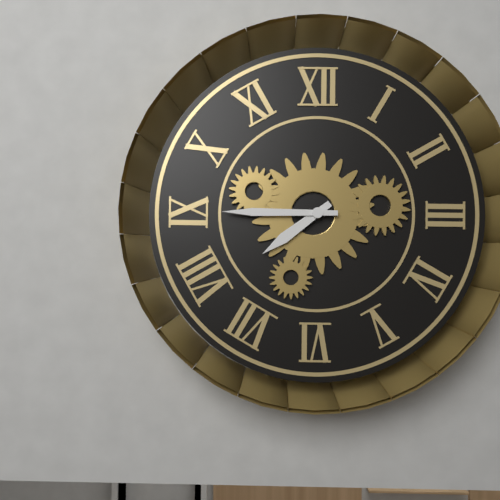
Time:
**7:45**
